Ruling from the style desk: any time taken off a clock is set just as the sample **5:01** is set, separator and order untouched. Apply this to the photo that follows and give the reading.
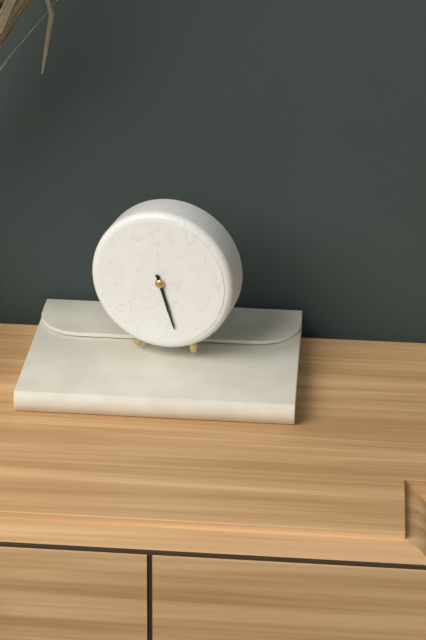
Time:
**5:27**
